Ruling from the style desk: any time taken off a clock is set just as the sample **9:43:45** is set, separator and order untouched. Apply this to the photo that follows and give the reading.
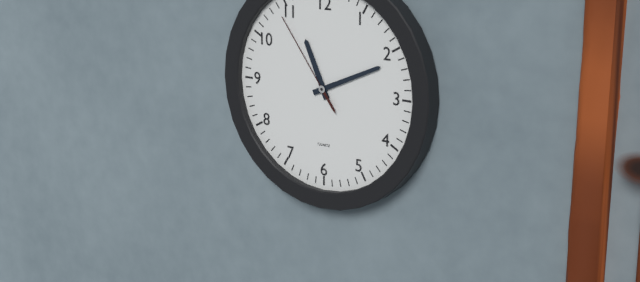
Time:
**11:11:54**
